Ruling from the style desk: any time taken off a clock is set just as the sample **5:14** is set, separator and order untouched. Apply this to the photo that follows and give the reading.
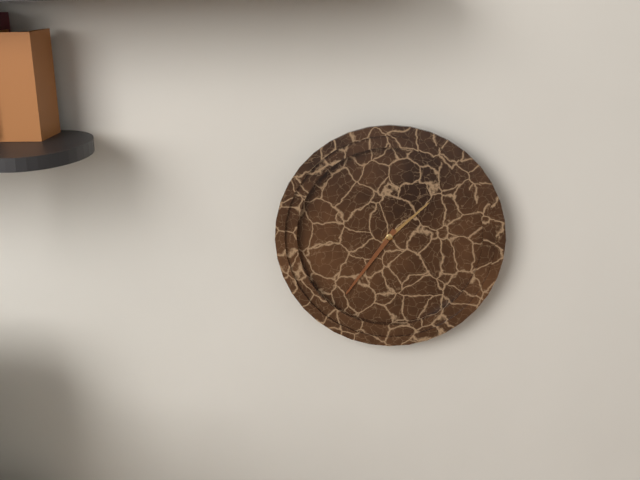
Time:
**1:36**
